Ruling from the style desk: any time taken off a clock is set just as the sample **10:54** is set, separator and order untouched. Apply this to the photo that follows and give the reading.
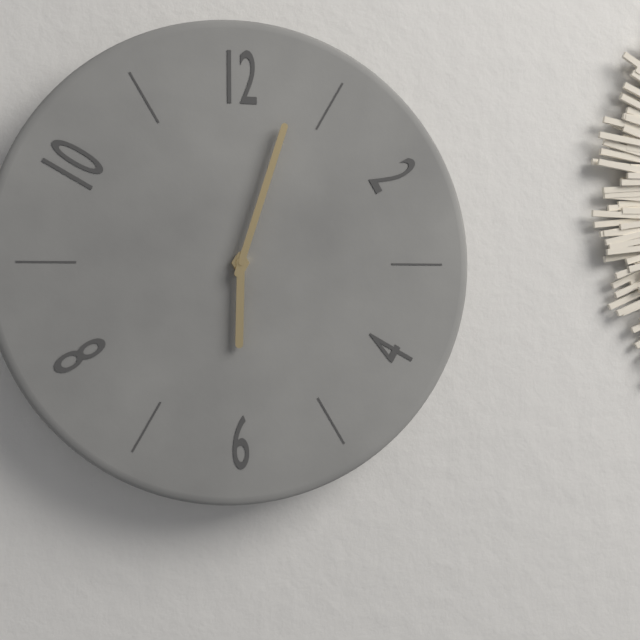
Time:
**6:03**
